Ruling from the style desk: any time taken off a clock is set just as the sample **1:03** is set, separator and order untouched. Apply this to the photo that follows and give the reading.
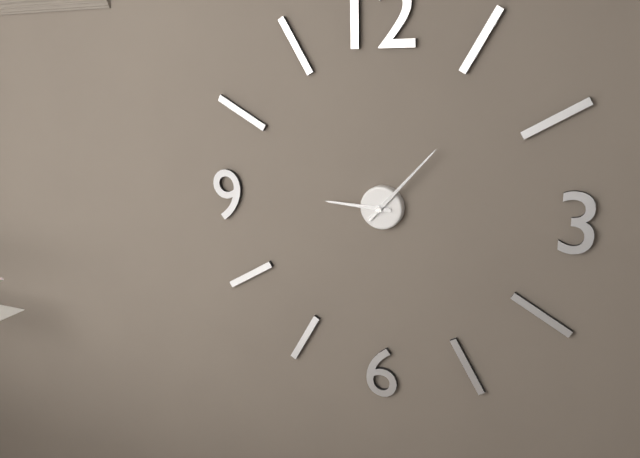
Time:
**9:07**
